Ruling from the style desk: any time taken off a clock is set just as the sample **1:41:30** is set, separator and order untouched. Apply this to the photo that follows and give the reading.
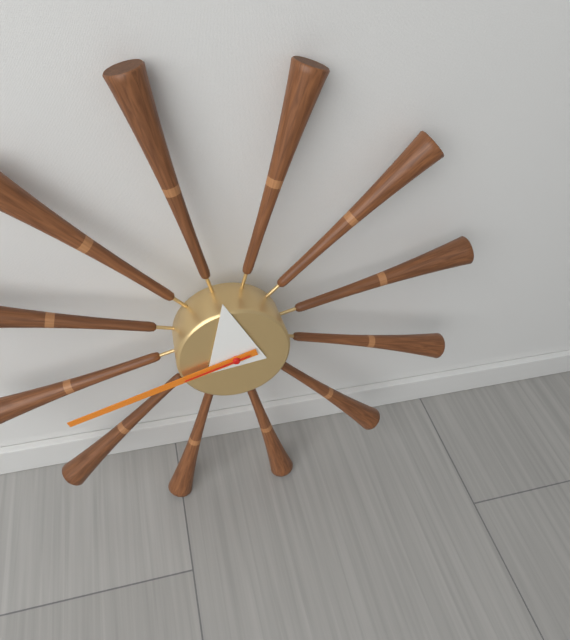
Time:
**11:42:42**
